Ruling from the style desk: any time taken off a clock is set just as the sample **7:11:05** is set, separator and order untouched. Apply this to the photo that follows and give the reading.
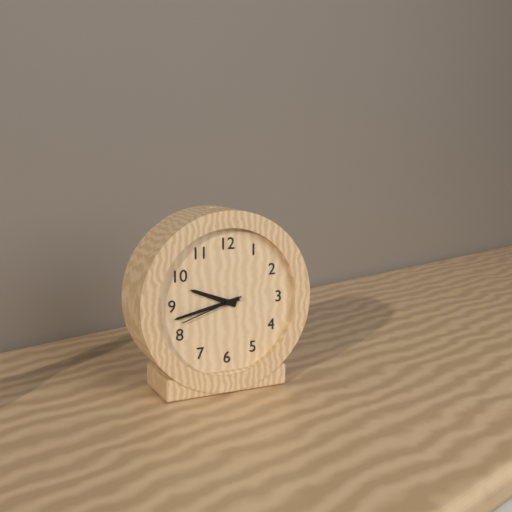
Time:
**9:43:42**
